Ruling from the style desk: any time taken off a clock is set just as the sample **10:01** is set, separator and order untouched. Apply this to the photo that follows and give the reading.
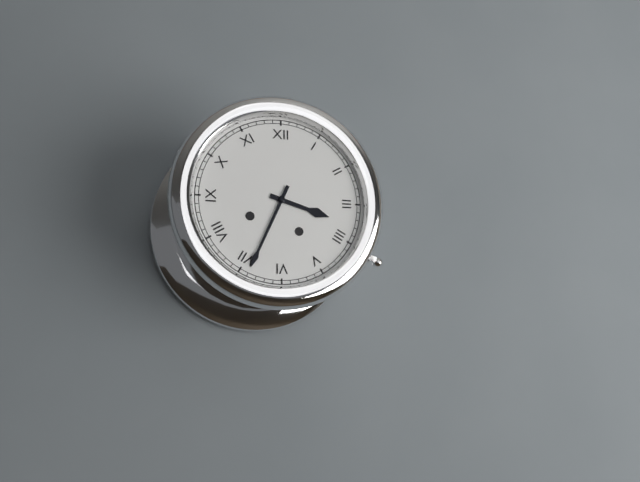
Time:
**3:34**
